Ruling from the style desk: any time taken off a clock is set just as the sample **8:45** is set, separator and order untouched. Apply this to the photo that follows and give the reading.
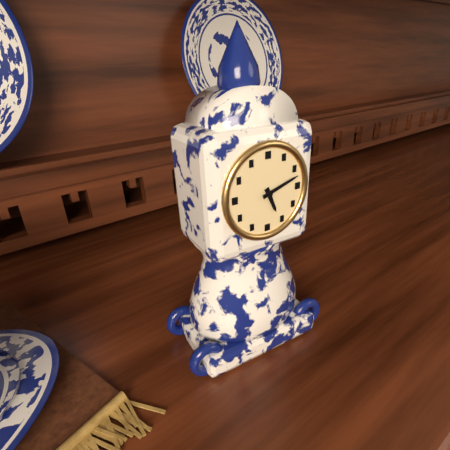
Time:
**5:12**
